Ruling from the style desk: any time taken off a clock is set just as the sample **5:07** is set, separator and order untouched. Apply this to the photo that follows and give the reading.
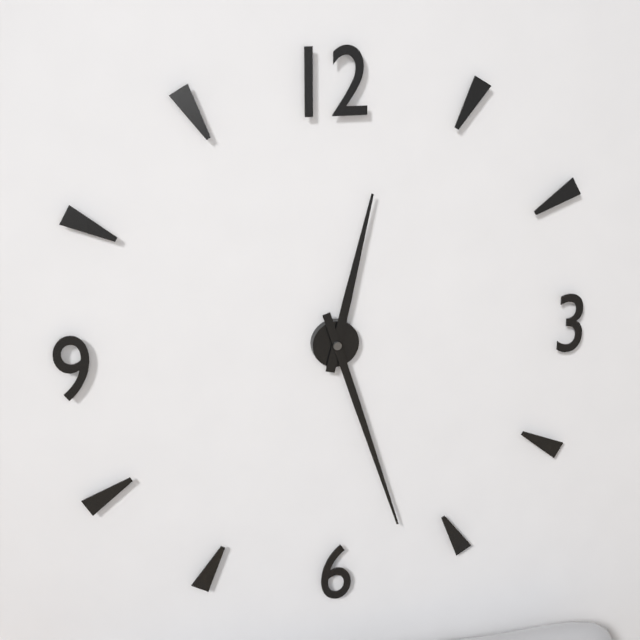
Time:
**12:27**
